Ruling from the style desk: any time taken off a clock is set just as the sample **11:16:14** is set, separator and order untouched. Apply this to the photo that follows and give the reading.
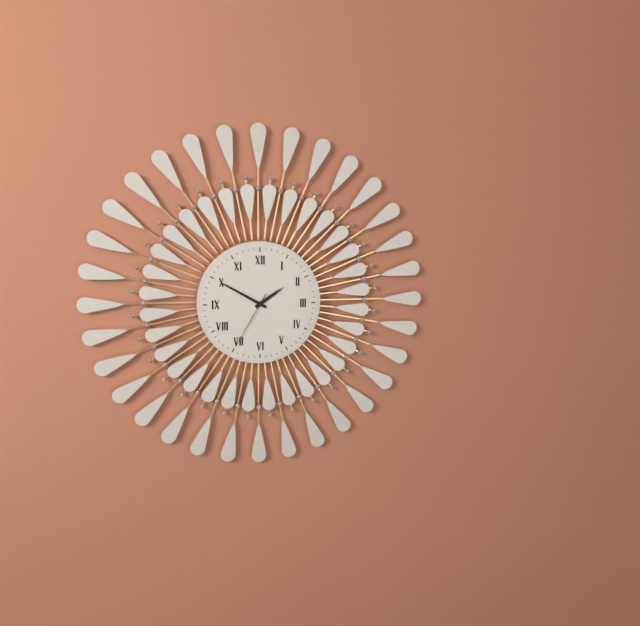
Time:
**1:50:35**
